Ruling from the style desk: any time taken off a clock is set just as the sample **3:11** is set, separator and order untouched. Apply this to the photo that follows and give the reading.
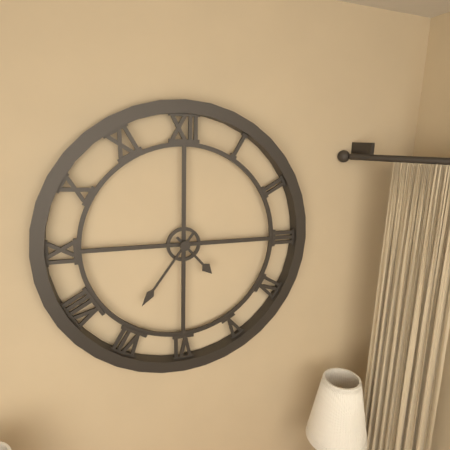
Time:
**4:36**
